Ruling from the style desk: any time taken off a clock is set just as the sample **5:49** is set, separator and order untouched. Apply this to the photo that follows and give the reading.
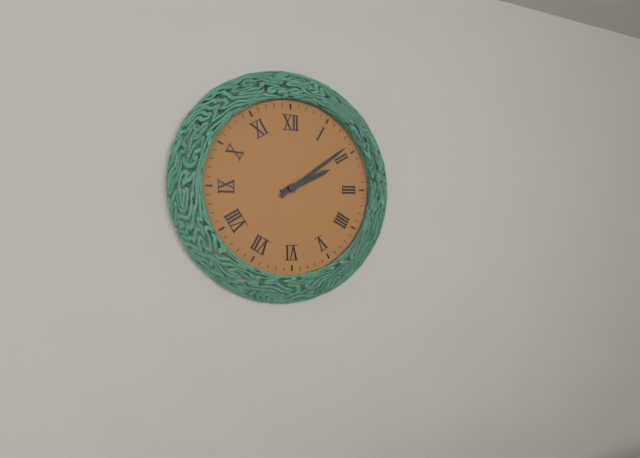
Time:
**2:09**
